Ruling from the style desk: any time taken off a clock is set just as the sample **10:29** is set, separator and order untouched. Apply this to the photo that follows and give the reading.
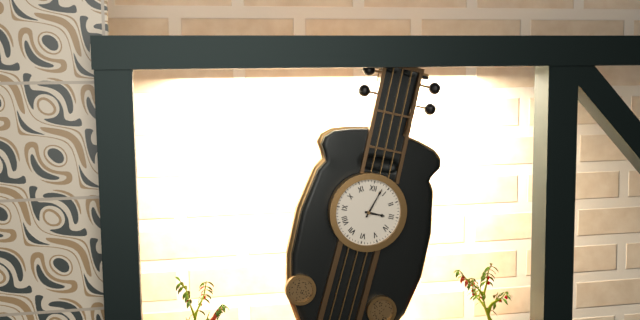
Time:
**3:03**
